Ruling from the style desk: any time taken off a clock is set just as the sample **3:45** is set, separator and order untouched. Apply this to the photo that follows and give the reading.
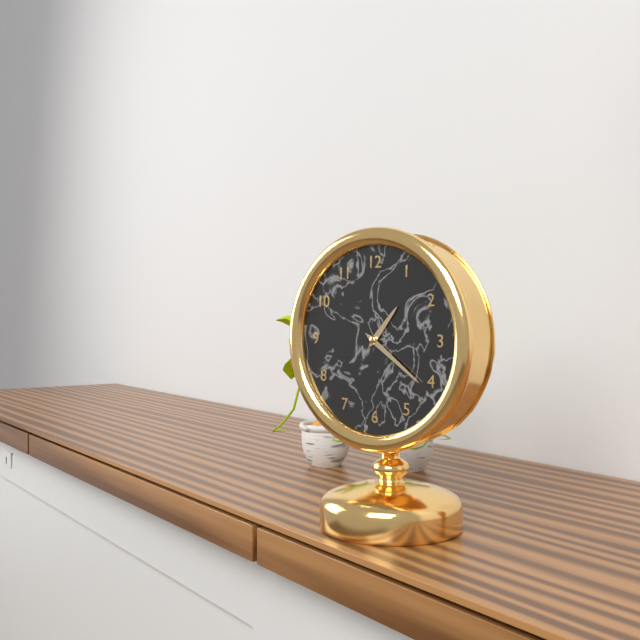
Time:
**1:21**
